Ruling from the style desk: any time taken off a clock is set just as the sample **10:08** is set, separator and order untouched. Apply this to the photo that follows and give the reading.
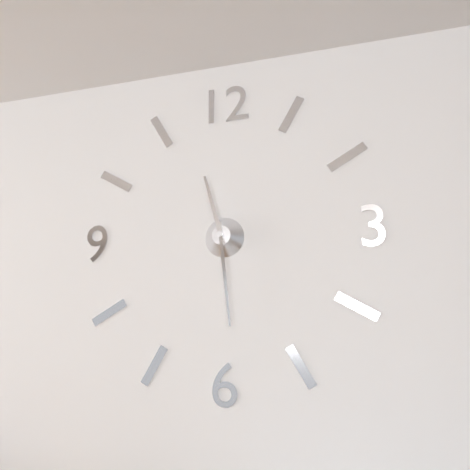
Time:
**11:29**
